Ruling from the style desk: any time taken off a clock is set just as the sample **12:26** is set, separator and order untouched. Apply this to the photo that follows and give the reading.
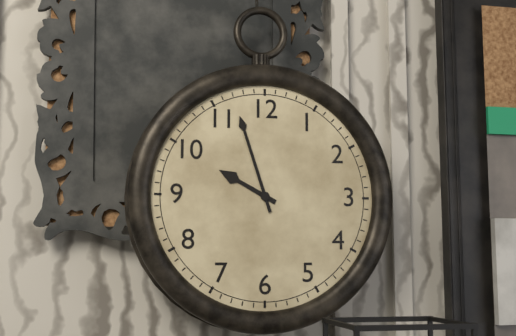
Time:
**9:57**
